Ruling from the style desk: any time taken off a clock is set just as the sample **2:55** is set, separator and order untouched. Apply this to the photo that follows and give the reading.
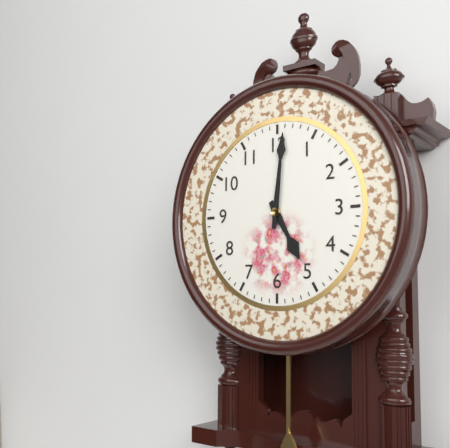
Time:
**5:01**
